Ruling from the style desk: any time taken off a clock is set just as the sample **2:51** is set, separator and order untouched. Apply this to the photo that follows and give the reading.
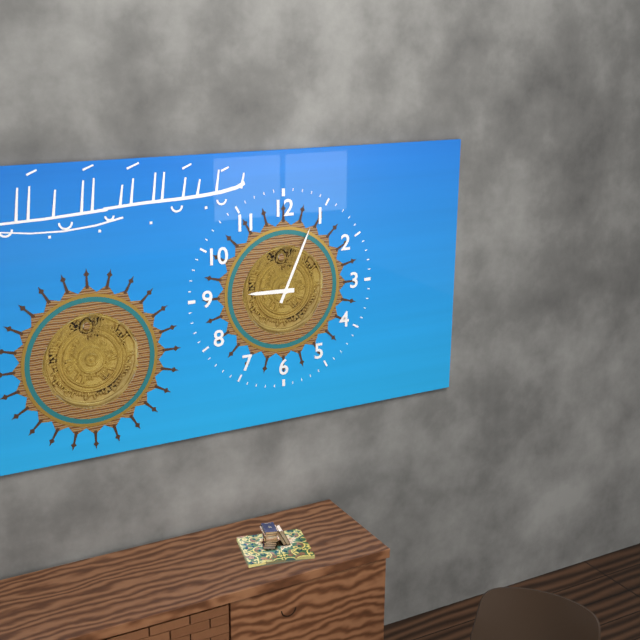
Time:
**9:04**
